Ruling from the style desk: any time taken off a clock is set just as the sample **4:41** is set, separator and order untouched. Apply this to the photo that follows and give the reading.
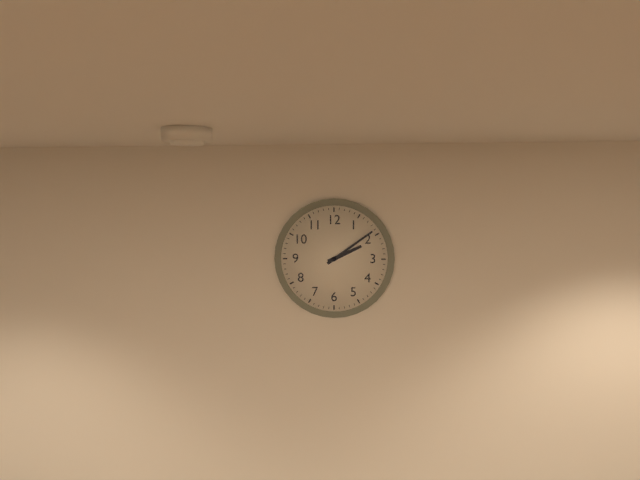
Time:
**2:09**
